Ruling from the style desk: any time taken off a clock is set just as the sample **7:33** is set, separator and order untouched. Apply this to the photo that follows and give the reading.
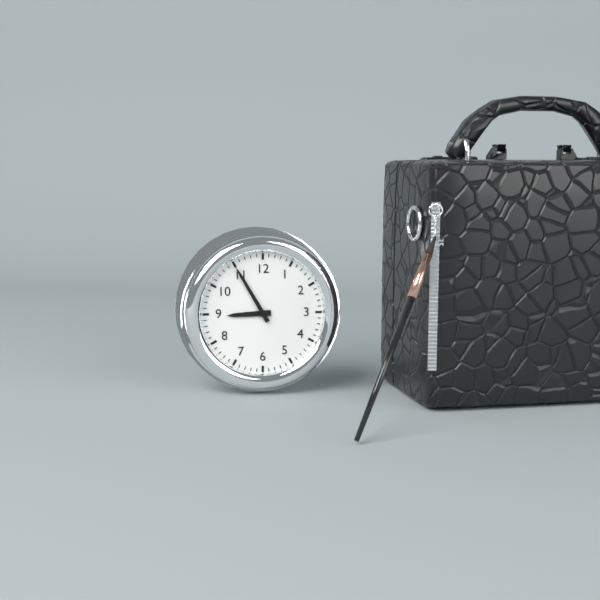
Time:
**8:55**
